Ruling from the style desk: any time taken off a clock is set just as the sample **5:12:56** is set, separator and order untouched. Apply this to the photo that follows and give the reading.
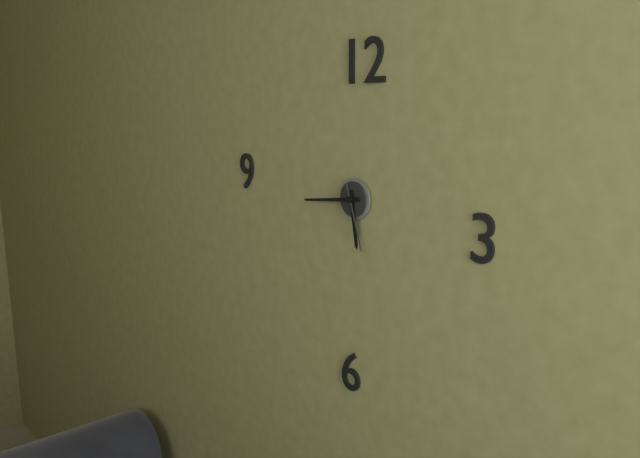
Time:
**5:44:27**
